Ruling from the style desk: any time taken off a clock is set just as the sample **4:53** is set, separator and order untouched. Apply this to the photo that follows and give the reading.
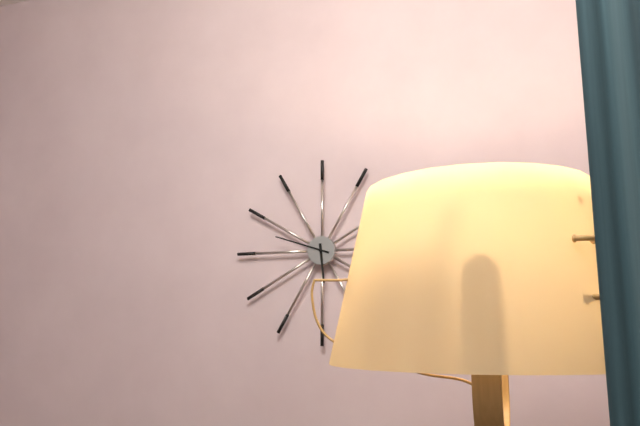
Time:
**5:48**
